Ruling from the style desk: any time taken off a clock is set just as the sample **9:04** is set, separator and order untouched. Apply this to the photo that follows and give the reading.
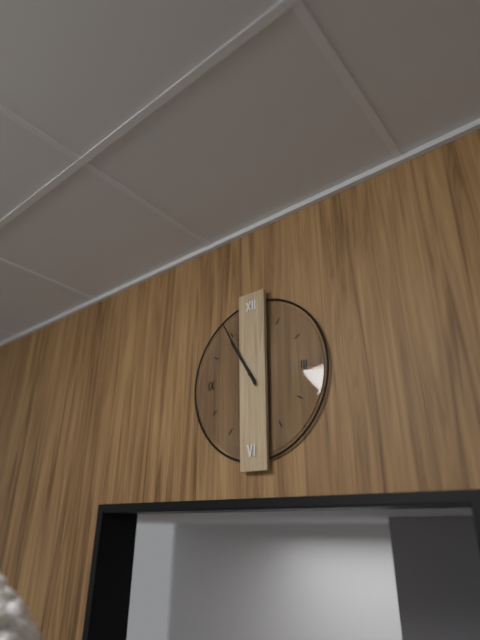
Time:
**10:55**
